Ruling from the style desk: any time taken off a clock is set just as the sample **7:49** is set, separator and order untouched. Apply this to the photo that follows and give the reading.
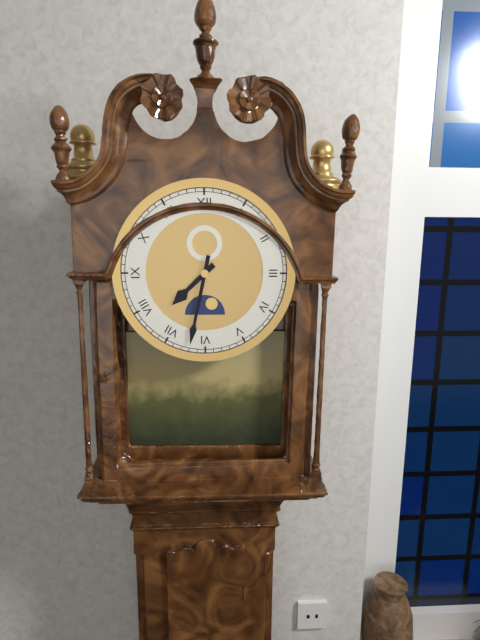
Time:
**7:32**
